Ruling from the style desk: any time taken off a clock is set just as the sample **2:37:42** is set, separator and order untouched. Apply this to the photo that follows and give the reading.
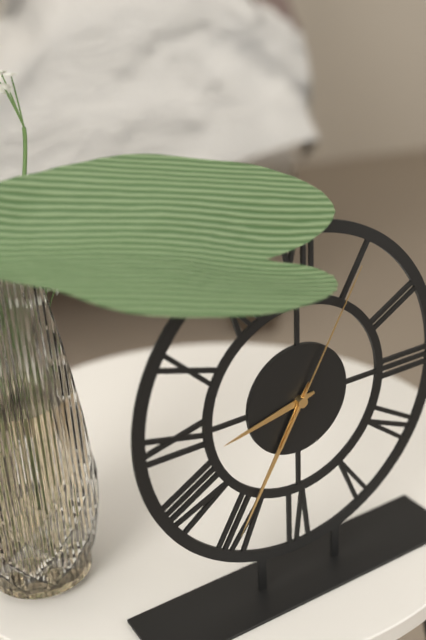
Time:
**8:35:05**
